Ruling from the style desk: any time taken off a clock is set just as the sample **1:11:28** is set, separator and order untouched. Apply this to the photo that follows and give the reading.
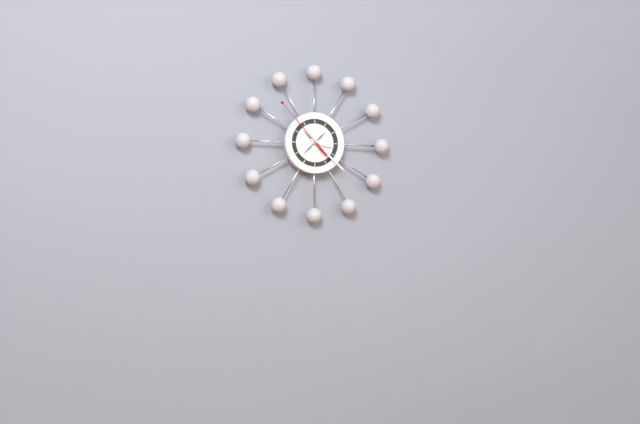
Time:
**3:22:53**
